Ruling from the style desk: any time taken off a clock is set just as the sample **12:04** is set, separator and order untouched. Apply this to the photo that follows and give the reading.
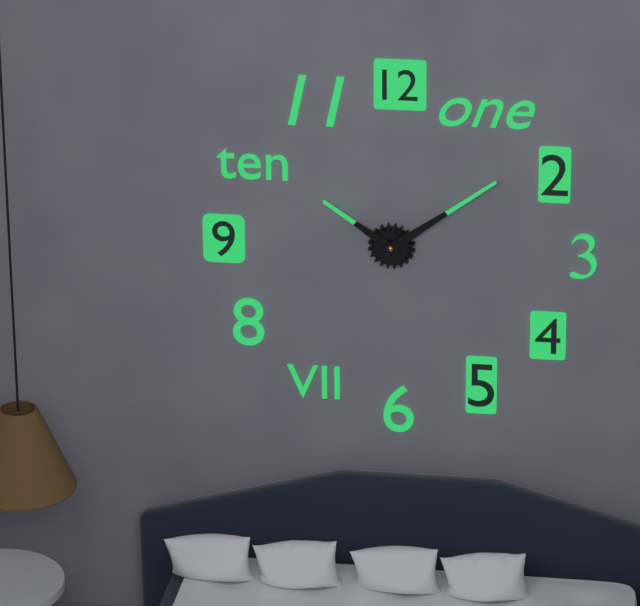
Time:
**10:09**
